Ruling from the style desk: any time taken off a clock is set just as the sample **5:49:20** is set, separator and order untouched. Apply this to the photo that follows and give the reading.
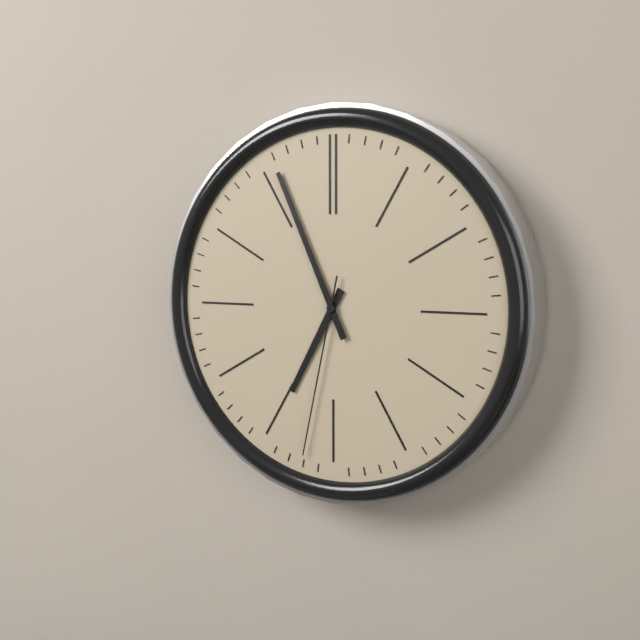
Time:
**6:56:32**
